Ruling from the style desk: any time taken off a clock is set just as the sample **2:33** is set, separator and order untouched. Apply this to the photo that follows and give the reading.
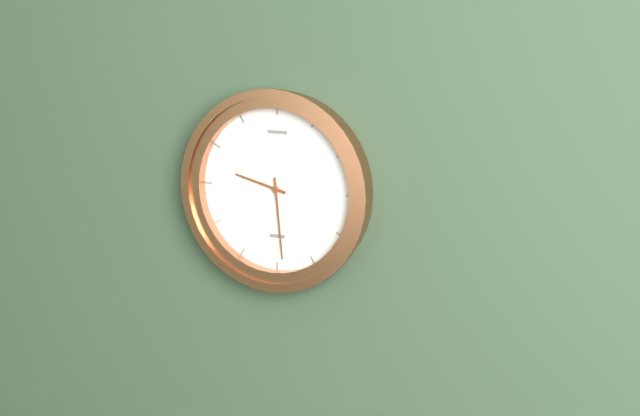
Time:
**9:29**
